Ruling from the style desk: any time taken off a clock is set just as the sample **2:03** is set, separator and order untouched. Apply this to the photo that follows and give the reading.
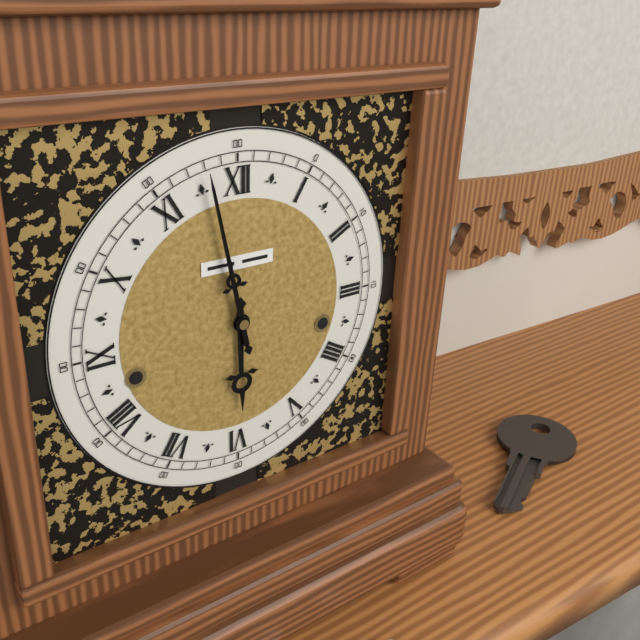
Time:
**5:58**
